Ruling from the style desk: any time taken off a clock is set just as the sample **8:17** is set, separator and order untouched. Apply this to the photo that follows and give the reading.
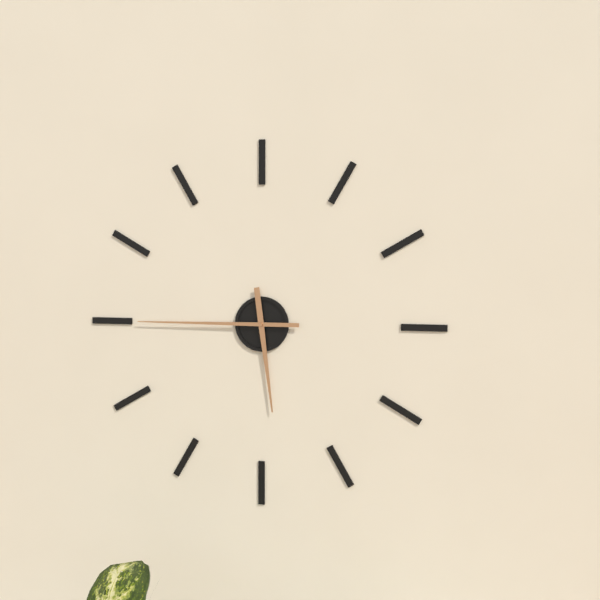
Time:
**5:45**
